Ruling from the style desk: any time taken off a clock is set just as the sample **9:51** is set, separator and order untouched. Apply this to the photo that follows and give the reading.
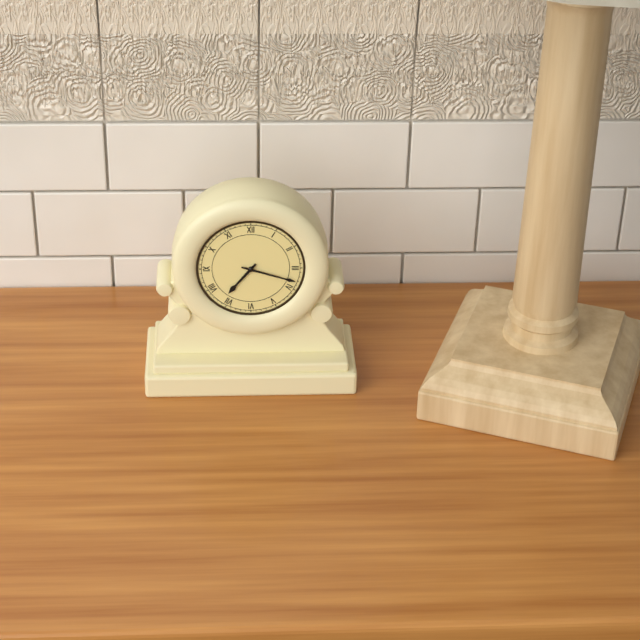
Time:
**7:18**
